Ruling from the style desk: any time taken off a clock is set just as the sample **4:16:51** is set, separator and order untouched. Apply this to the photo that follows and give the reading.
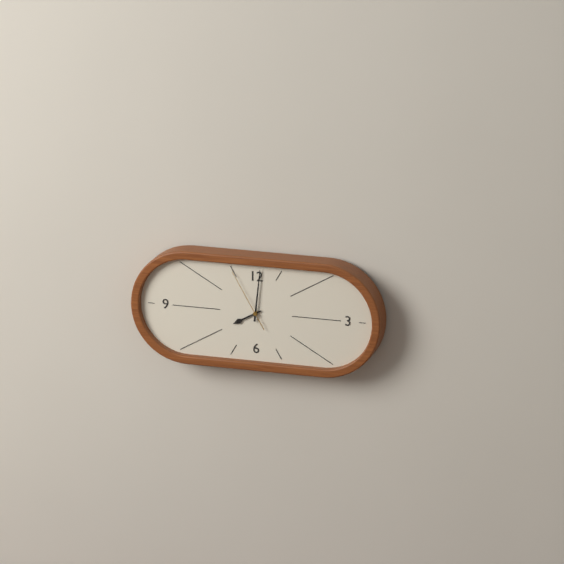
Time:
**8:01:55**
